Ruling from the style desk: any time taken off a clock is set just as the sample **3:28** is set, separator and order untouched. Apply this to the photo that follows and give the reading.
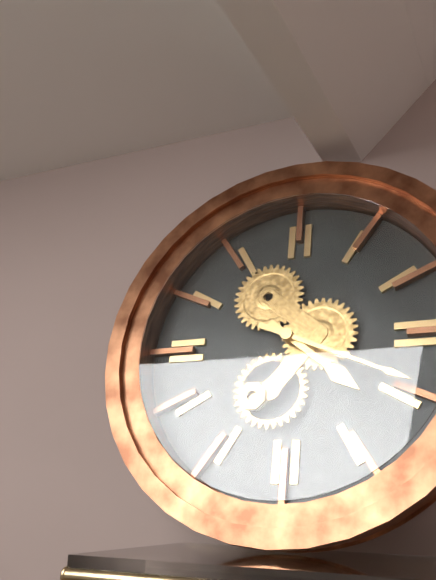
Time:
**4:19**
